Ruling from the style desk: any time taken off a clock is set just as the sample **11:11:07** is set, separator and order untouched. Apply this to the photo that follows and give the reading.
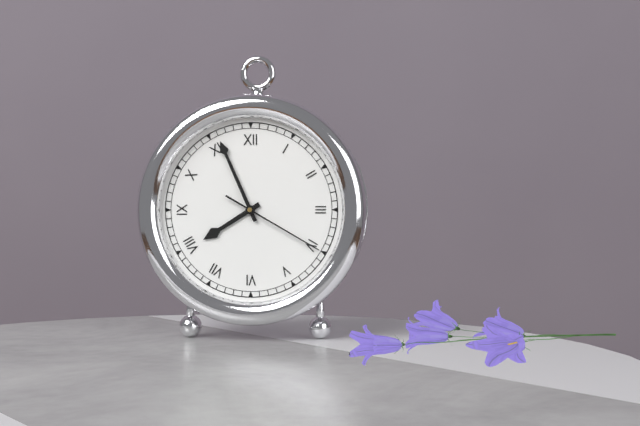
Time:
**7:56:20**
